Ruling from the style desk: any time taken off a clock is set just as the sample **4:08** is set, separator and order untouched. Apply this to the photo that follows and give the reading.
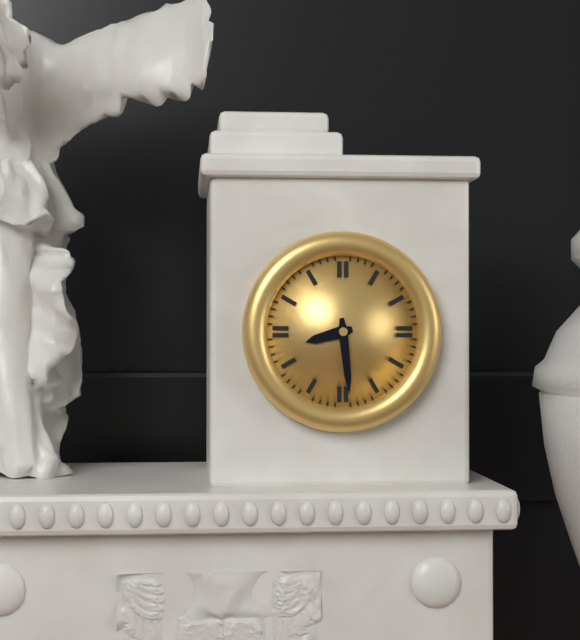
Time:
**8:29**
